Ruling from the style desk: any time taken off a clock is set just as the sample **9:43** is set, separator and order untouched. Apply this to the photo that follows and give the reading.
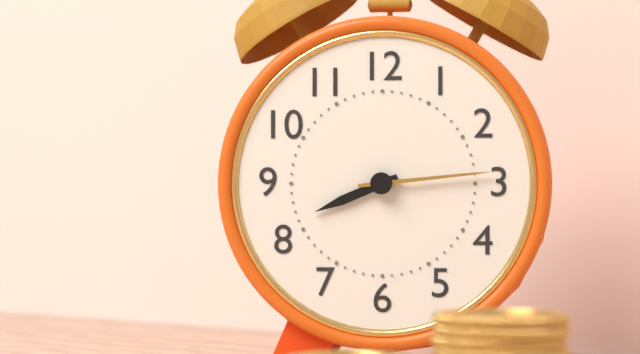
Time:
**8:14**
